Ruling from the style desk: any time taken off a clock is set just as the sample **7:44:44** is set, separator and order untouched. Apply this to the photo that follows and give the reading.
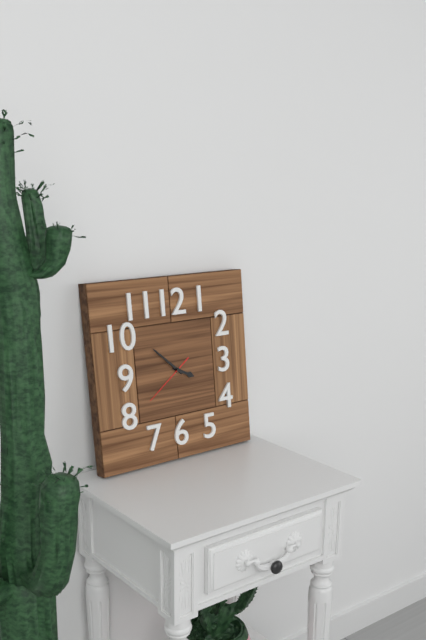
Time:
**3:52:39**
